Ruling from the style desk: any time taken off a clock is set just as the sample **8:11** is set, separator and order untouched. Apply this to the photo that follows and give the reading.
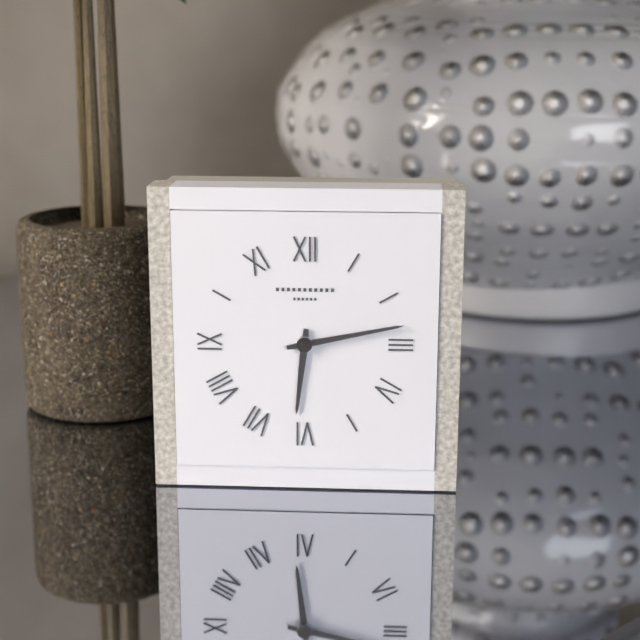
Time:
**6:13**
